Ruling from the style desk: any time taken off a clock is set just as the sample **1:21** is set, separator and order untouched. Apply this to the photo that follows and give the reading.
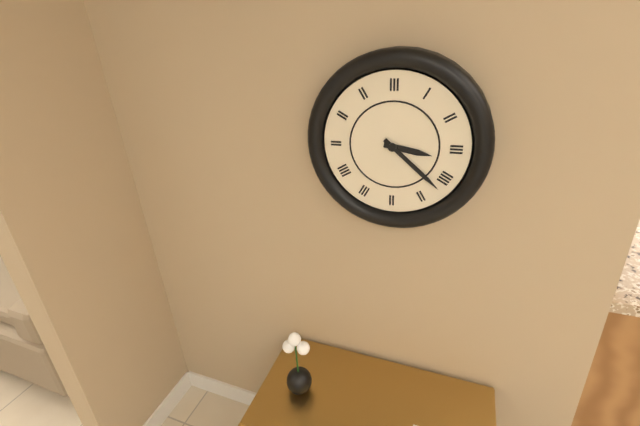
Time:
**3:22**
